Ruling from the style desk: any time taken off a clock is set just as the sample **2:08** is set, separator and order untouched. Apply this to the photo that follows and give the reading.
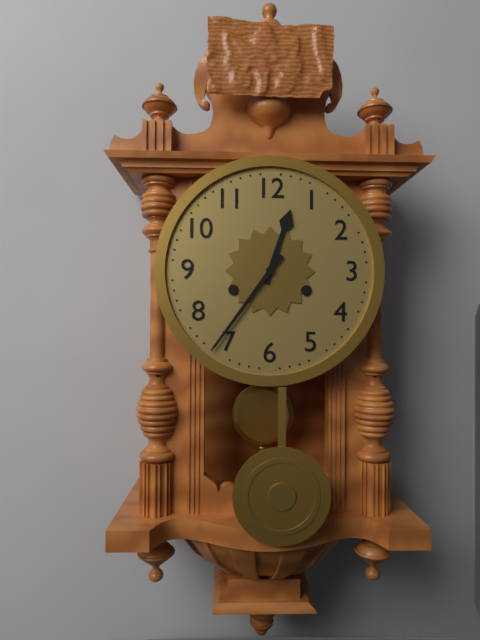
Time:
**12:36**
